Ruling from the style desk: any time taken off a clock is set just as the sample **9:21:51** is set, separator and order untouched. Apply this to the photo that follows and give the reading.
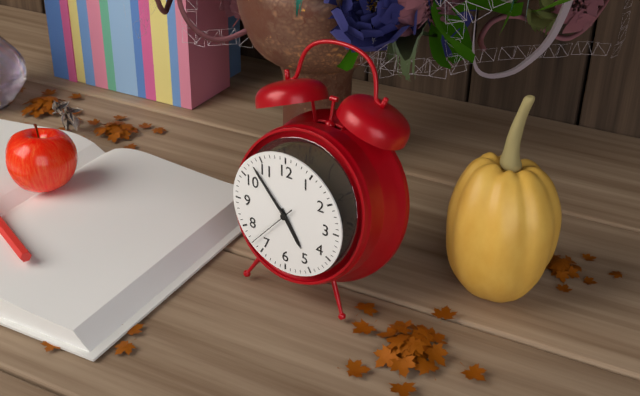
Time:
**4:53:37**
